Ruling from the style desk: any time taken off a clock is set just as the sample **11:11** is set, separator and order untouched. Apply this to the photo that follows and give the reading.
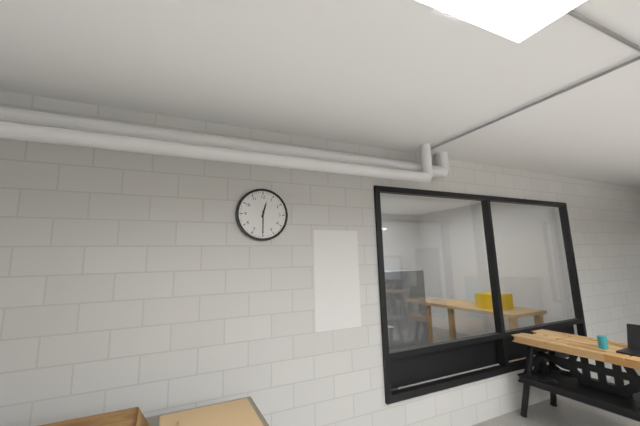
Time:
**12:30**
